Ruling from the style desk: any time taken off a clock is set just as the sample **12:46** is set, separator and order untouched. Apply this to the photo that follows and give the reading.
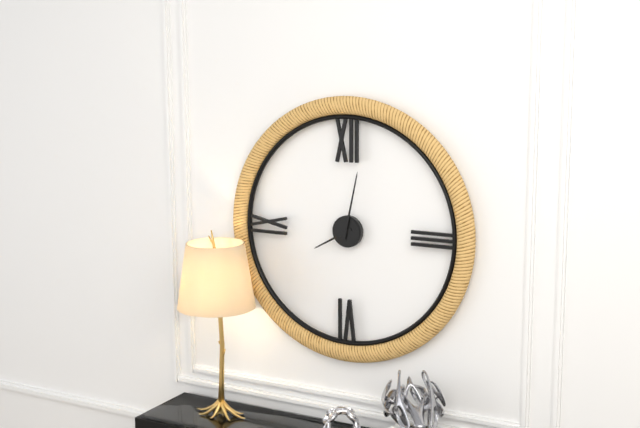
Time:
**8:02**
